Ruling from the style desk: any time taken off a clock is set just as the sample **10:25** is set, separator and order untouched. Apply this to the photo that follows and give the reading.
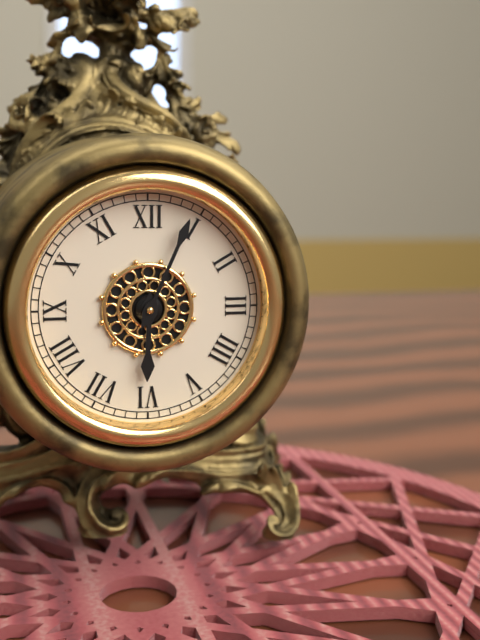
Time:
**6:04**
